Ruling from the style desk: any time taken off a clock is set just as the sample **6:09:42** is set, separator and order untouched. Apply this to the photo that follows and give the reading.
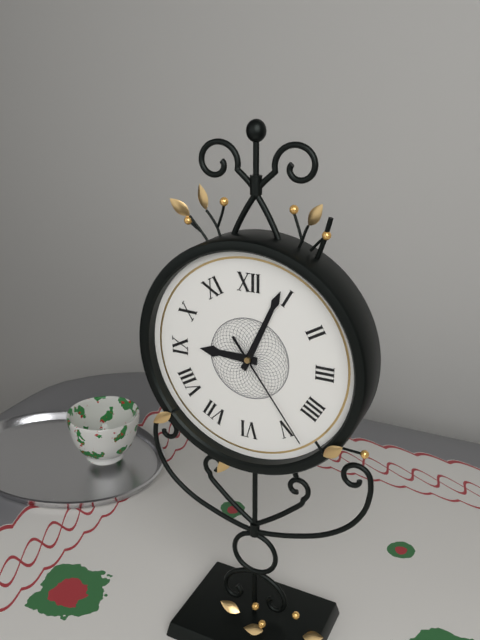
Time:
**9:04:24**
